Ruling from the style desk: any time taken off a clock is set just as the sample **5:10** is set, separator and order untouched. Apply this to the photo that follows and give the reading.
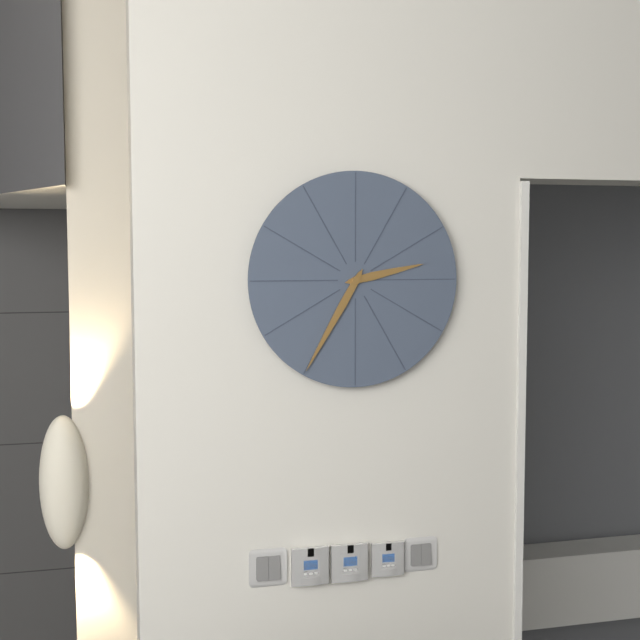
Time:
**2:35**
